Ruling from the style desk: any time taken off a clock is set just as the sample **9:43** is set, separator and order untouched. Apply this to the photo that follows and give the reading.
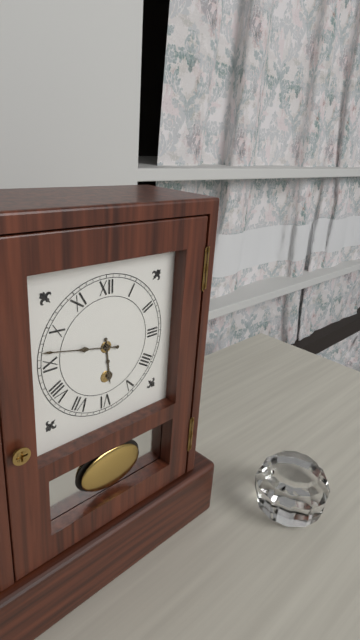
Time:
**5:47**
